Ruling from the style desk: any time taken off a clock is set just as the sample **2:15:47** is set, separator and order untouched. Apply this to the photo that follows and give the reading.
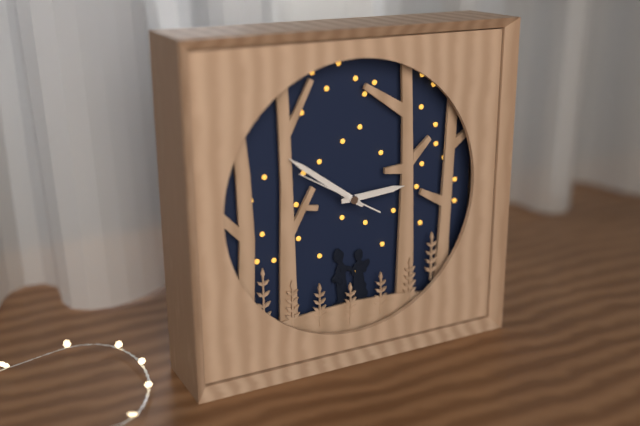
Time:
**2:51:50**
